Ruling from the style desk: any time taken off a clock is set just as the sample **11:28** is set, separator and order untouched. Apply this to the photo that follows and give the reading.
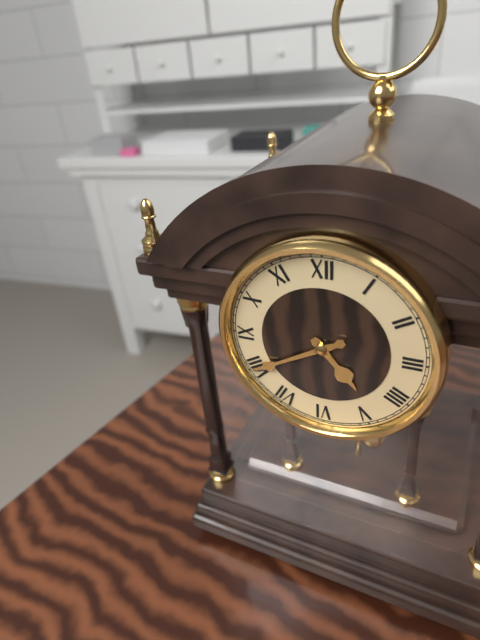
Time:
**4:40**
